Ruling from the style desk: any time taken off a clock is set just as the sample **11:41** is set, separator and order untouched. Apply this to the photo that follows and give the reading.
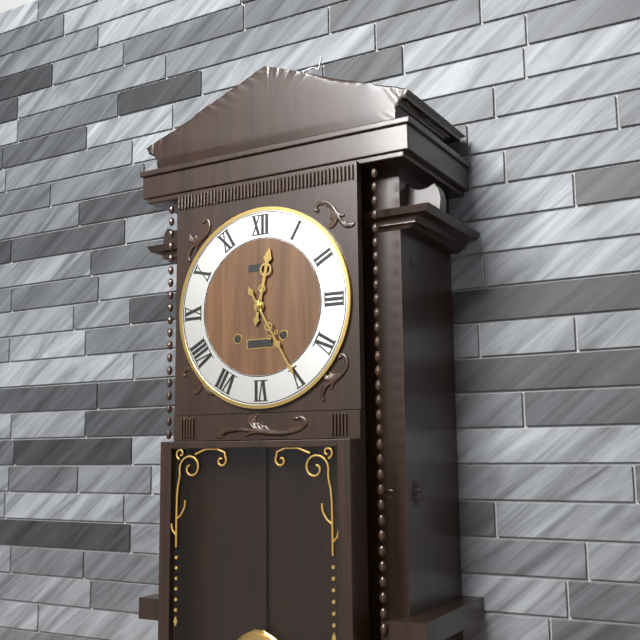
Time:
**12:25**
